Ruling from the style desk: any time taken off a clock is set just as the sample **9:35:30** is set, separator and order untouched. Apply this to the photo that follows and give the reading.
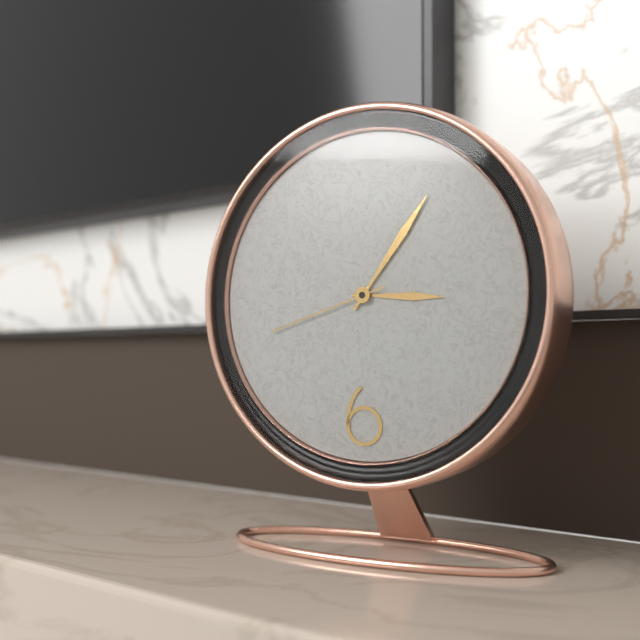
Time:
**3:06:42**
